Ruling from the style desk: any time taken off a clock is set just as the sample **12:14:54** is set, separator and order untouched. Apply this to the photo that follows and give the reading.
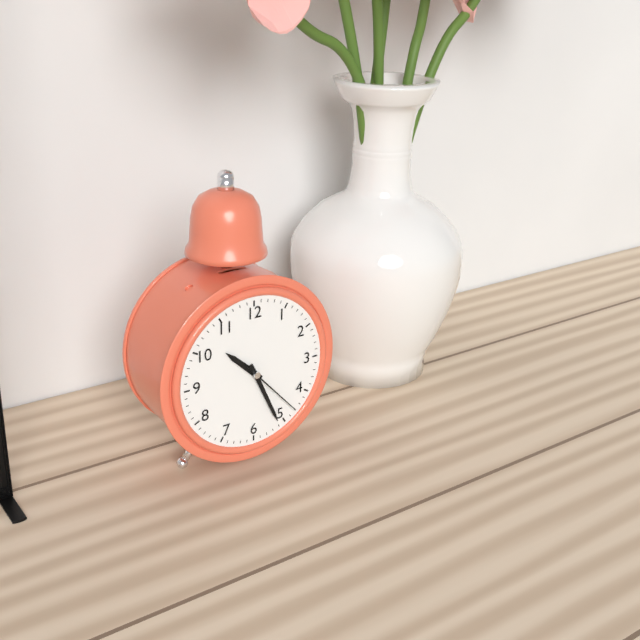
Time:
**10:26:23**
